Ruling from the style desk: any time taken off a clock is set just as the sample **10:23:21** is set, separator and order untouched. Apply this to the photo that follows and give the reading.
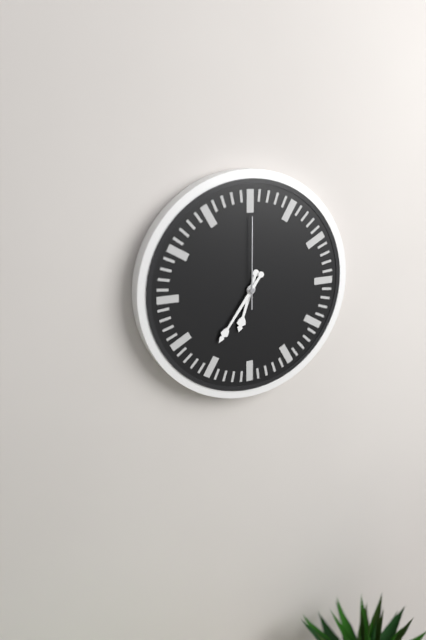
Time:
**6:36:00**
